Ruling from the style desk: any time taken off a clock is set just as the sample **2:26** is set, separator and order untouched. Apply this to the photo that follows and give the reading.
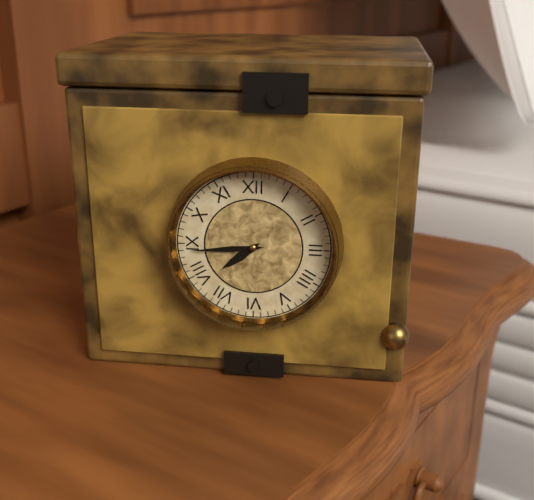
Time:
**7:44**
